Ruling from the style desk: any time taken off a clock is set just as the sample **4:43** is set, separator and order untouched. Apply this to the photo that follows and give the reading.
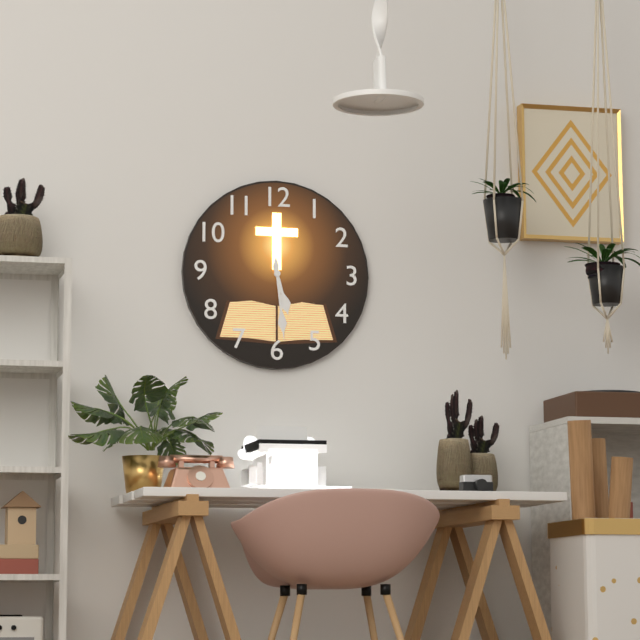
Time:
**5:29**
